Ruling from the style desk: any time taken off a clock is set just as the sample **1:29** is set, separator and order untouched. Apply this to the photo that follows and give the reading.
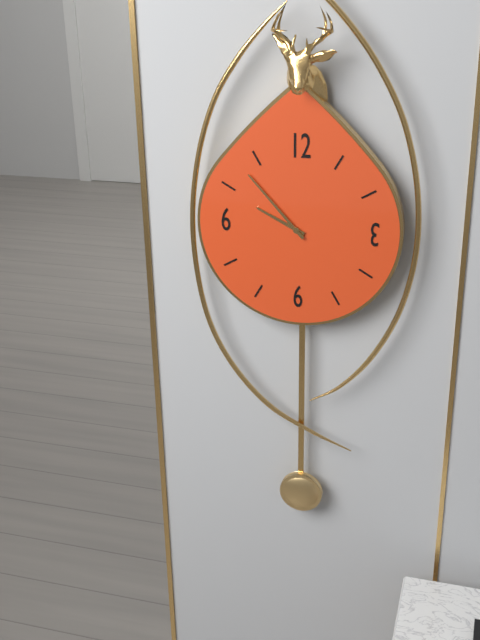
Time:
**9:53**
